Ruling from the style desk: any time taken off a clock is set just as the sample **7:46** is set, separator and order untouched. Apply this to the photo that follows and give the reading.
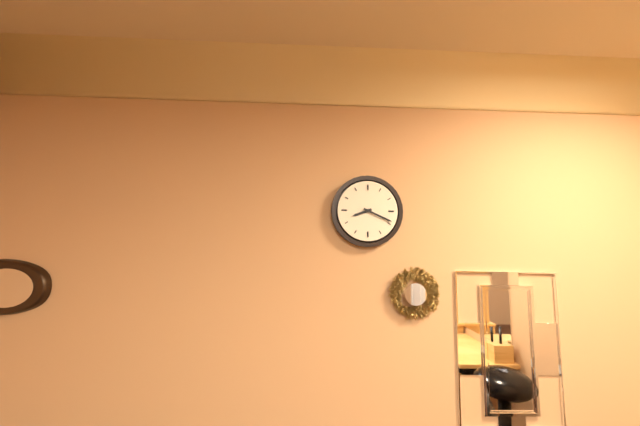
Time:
**8:19**
